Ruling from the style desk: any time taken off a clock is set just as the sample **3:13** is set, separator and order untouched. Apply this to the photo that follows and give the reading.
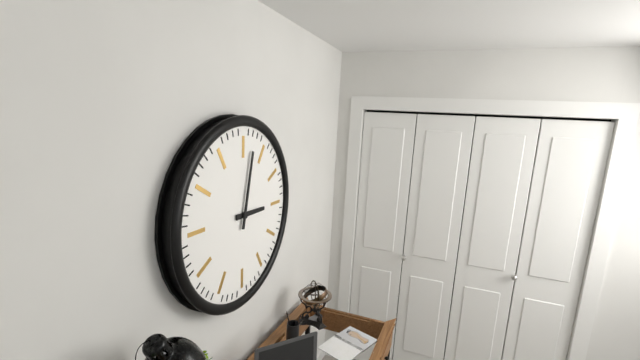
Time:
**3:02**
